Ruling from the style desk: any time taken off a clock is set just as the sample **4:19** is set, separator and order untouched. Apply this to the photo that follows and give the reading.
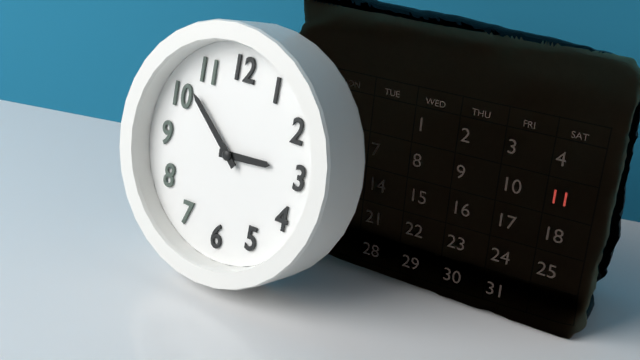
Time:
**2:52**
